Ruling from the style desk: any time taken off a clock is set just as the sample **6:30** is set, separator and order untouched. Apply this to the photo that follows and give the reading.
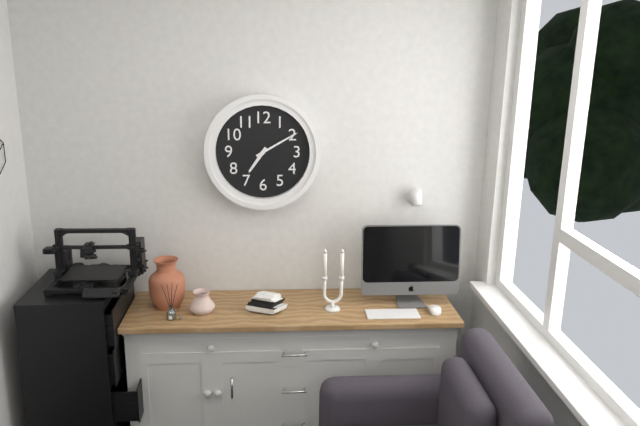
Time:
**7:10**
